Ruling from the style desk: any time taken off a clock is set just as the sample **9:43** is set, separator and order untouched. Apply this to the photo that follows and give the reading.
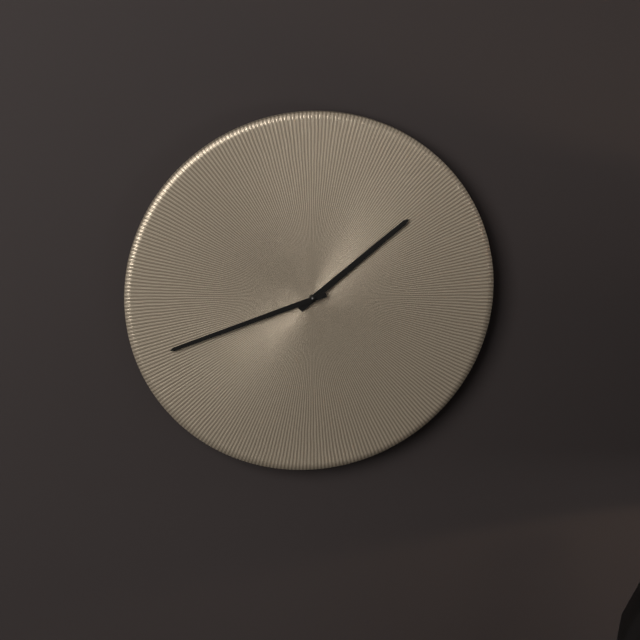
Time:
**1:42**
